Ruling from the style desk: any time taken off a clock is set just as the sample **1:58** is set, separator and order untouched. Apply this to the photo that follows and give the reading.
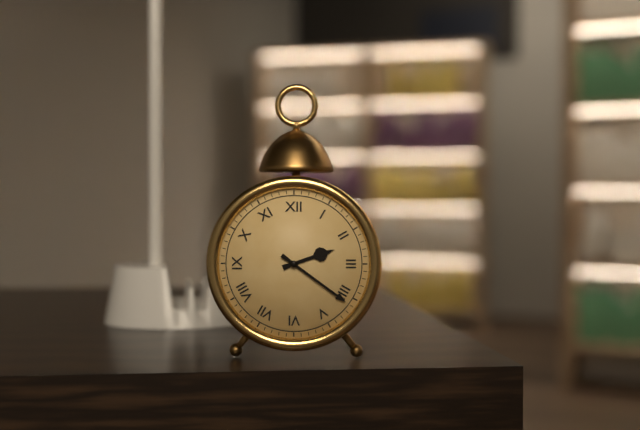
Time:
**2:21**
